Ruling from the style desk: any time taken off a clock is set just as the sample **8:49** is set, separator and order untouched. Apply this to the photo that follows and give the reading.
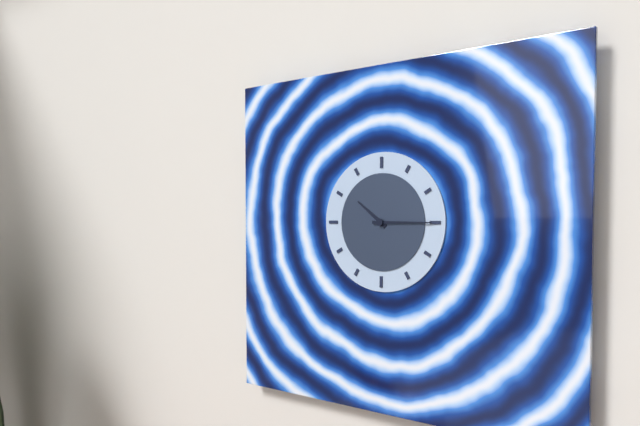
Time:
**10:15**
